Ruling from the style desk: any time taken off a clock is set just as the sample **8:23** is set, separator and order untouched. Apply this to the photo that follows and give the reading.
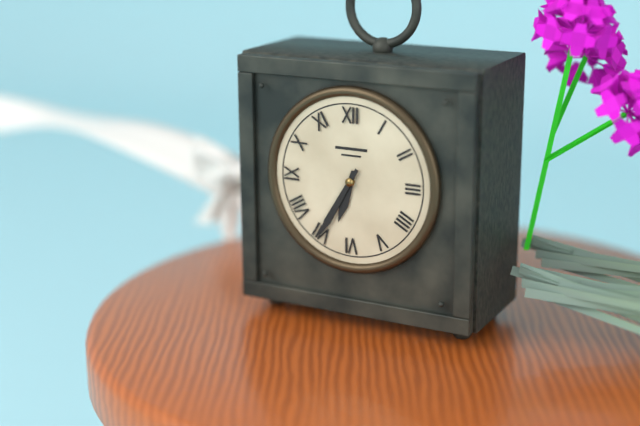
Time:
**6:35**
